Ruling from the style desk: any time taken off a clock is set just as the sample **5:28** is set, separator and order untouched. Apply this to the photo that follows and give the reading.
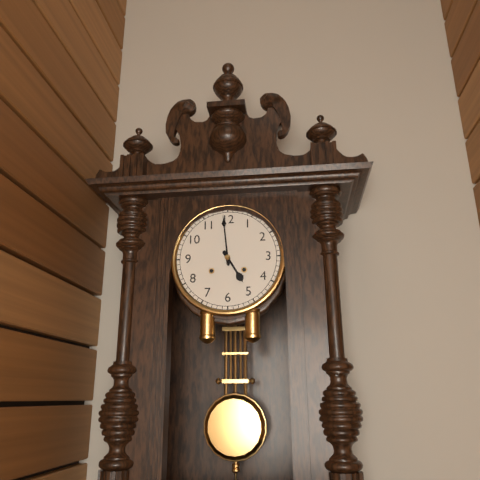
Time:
**4:59**
